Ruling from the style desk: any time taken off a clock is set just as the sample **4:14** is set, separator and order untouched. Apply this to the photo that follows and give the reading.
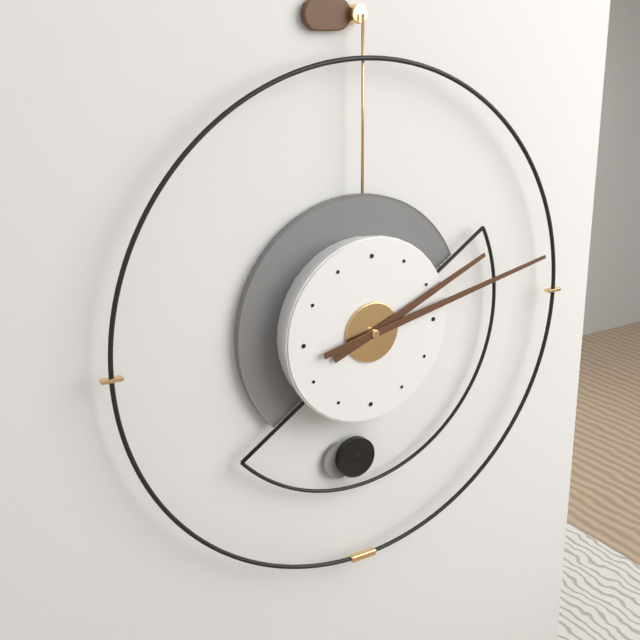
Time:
**2:13**
